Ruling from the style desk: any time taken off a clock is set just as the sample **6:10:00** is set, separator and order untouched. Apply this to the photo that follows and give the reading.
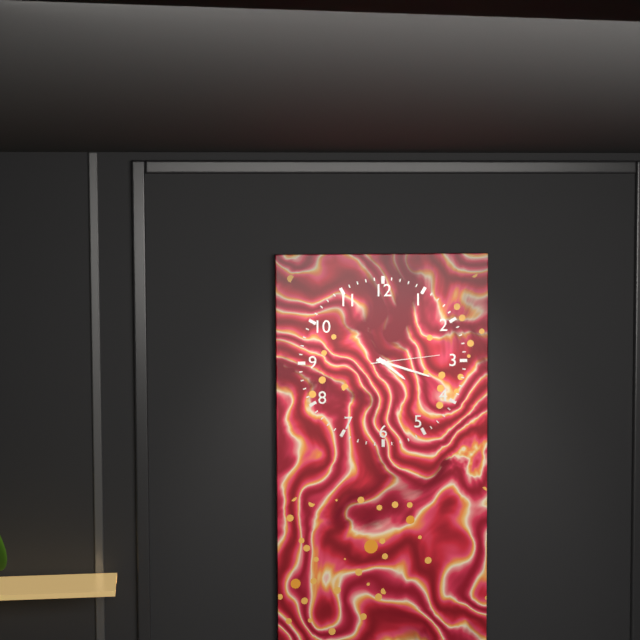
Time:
**4:18:14**
